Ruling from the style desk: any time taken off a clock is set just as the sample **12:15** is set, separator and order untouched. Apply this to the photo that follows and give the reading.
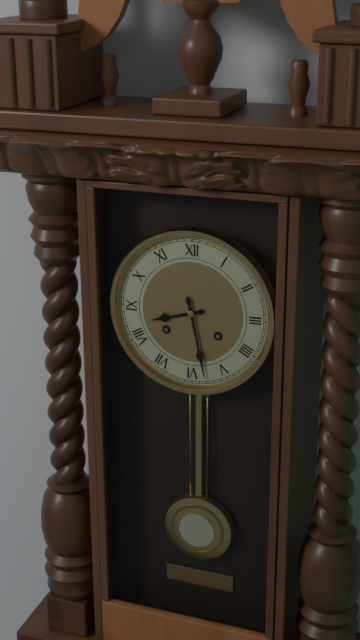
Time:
**8:28**
